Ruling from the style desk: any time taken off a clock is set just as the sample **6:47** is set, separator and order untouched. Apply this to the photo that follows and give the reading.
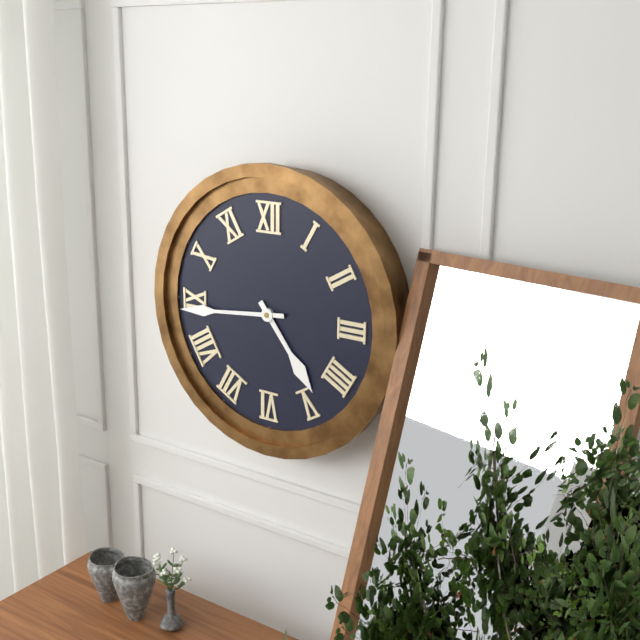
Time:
**4:44**
